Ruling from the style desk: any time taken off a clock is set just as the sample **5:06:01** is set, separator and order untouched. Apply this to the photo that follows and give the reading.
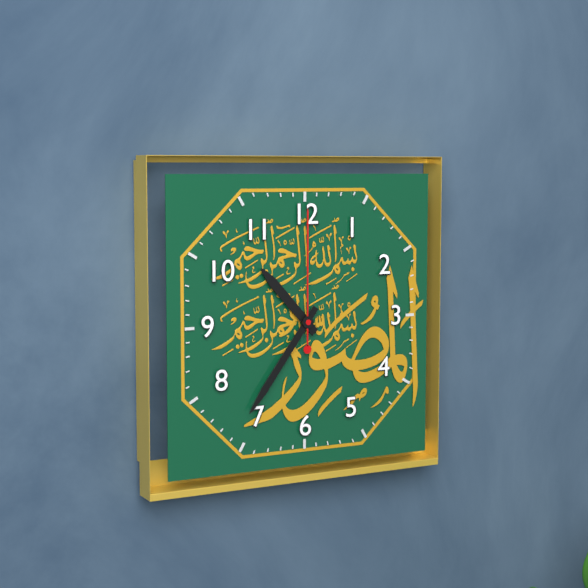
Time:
**10:36:00**
